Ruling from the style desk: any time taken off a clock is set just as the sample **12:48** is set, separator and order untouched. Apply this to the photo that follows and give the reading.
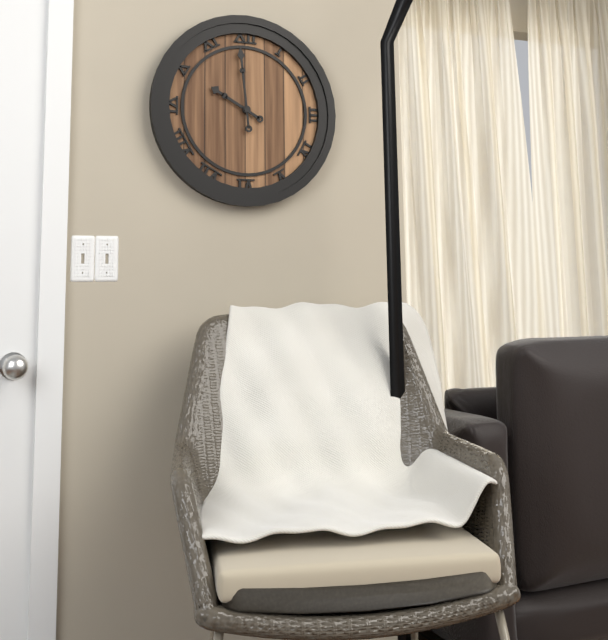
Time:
**9:59**
